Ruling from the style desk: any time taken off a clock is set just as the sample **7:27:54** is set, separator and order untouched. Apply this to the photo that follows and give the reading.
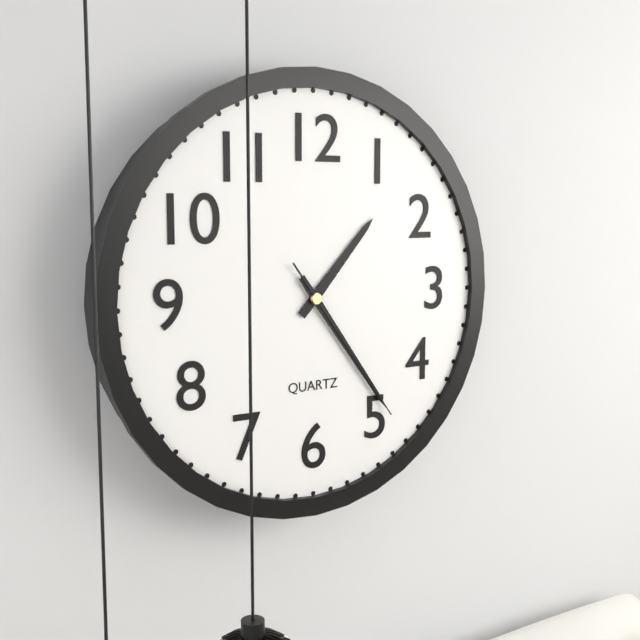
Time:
**1:24:24**
